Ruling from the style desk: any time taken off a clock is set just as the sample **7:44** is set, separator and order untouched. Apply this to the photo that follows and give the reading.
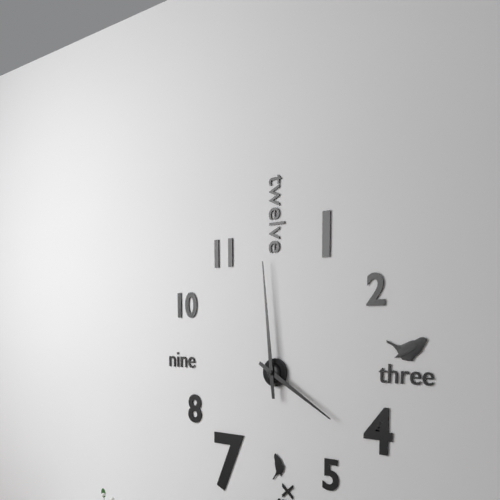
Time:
**3:59**
